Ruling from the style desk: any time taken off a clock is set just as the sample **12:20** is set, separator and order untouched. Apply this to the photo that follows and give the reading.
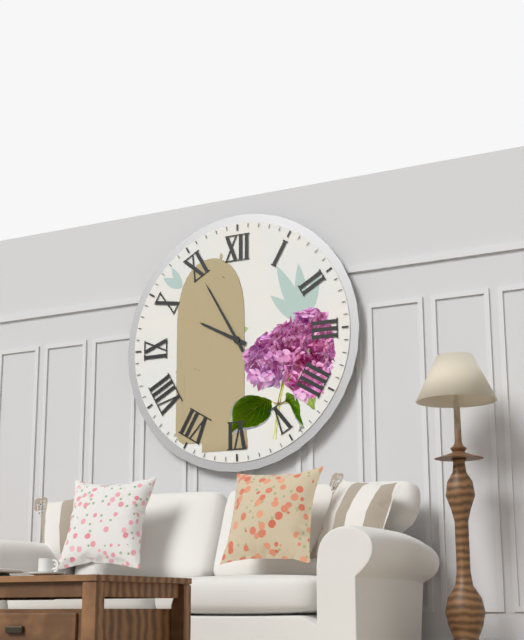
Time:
**9:55**
